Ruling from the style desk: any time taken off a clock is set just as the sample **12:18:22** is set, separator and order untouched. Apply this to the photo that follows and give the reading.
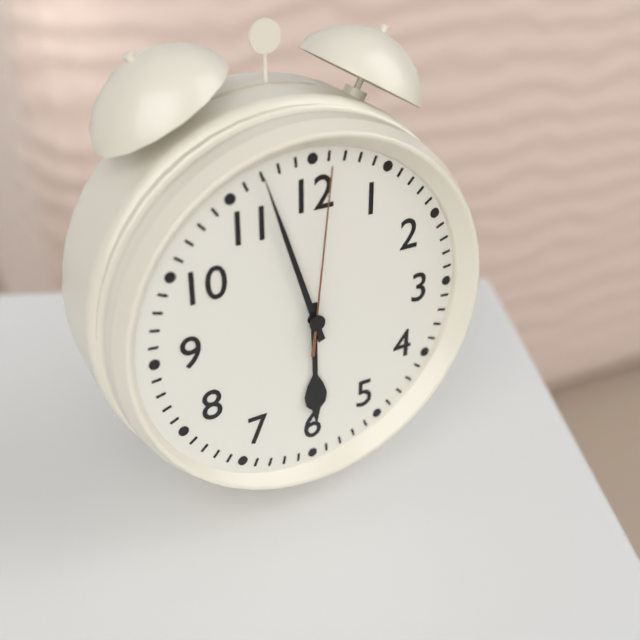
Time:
**5:57:01**
